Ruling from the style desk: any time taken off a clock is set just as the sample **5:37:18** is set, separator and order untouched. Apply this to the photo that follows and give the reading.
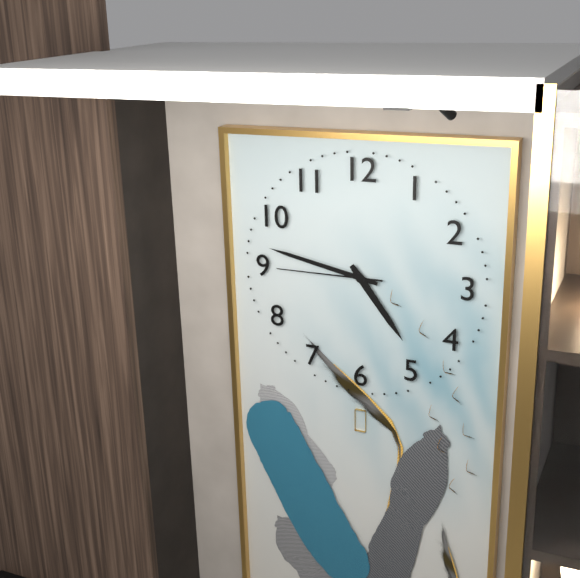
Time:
**4:47:45**
